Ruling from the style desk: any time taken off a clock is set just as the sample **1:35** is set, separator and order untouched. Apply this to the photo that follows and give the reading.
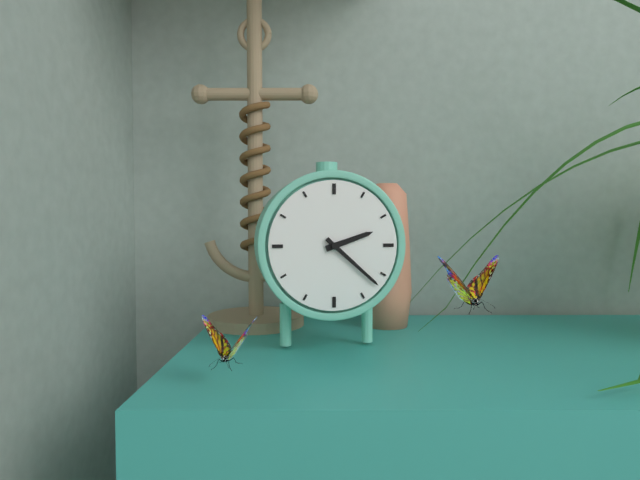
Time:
**2:22**
